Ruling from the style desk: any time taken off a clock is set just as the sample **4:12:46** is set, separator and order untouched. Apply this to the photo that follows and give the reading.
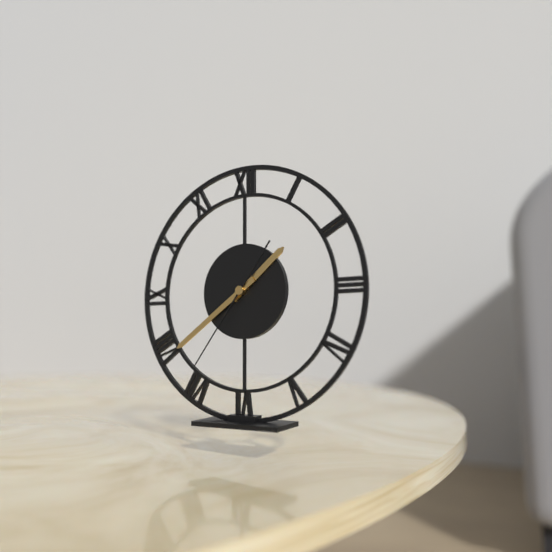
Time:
**1:39:36**
